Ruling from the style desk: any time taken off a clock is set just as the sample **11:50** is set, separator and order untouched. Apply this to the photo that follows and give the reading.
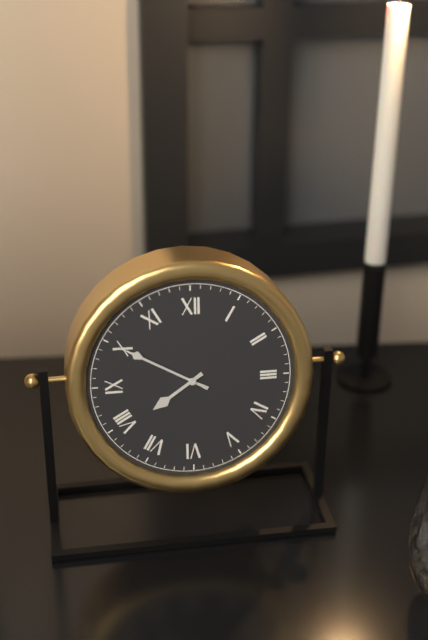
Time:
**7:50**
